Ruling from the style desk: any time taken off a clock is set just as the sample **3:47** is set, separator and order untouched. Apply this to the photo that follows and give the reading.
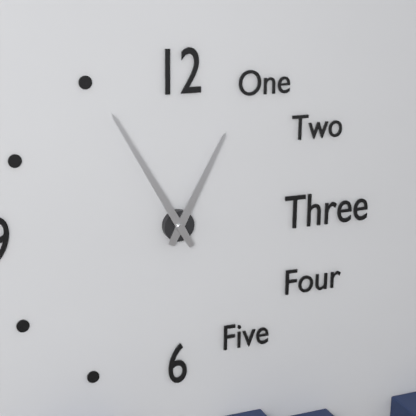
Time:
**12:55**
